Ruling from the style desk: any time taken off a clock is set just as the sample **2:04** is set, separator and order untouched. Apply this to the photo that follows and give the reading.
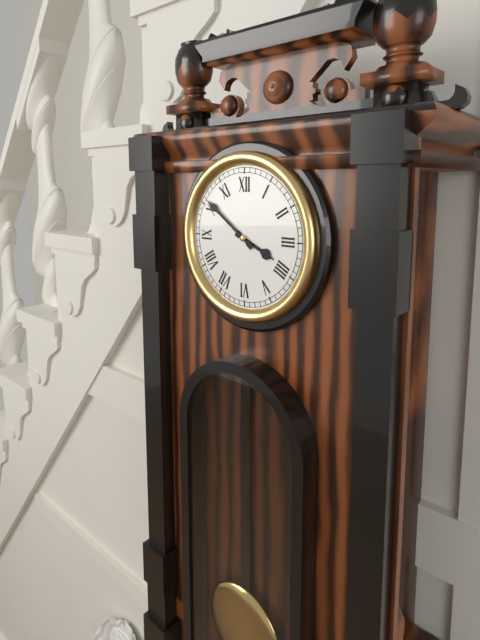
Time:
**3:51**
